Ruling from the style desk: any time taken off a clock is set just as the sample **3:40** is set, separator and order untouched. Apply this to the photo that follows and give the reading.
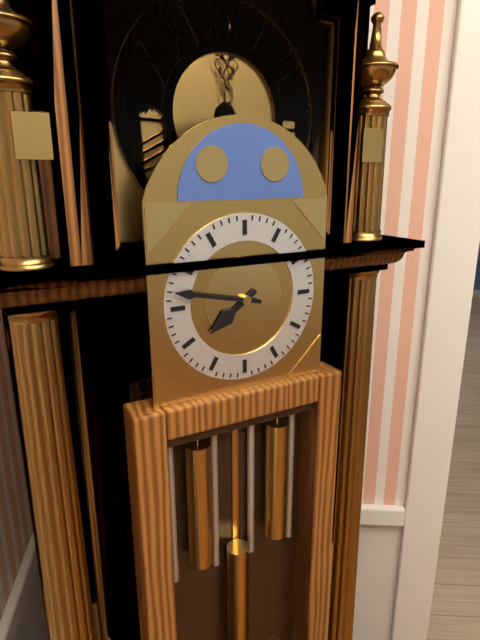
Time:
**7:47**
